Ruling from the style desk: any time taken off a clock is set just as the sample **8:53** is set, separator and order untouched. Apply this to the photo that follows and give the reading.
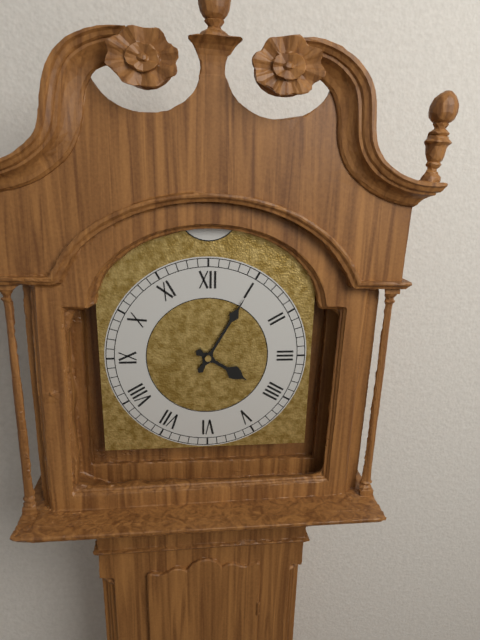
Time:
**4:05**
